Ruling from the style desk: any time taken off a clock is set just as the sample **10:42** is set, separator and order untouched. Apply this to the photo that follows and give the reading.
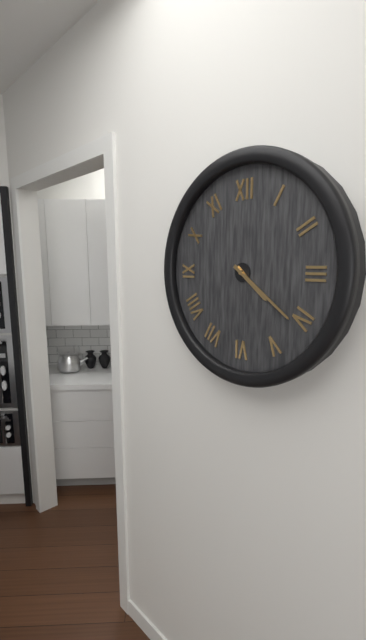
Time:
**4:21**
